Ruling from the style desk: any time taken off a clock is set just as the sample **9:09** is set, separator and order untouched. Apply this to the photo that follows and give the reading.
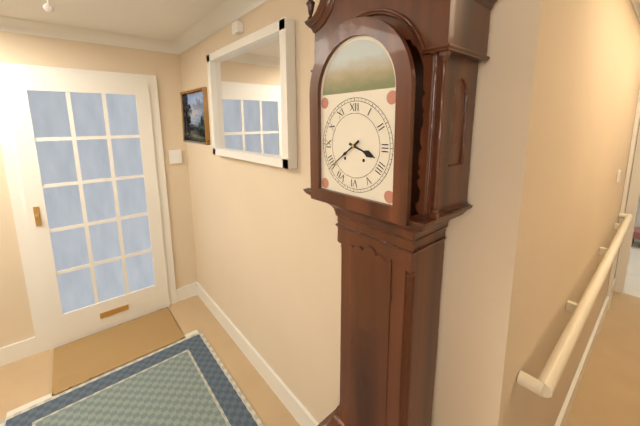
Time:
**3:39**
